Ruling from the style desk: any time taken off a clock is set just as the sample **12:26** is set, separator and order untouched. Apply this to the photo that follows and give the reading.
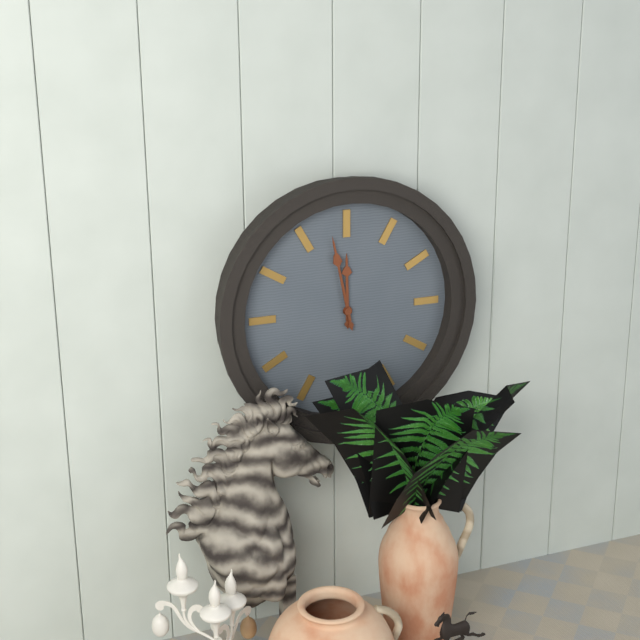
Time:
**11:58**
